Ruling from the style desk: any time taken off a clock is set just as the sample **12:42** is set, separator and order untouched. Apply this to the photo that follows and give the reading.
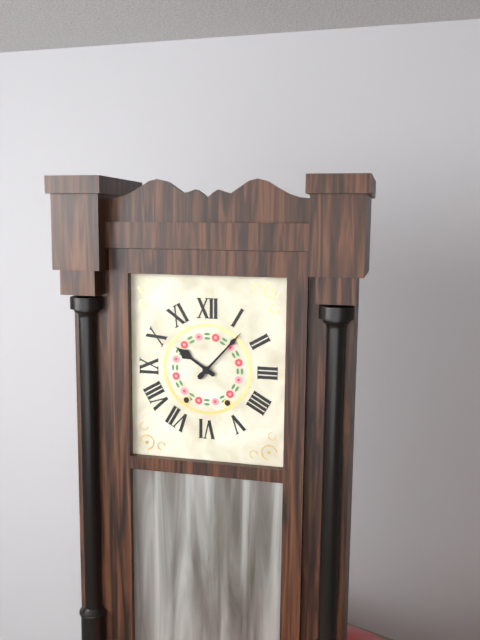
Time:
**10:07**
